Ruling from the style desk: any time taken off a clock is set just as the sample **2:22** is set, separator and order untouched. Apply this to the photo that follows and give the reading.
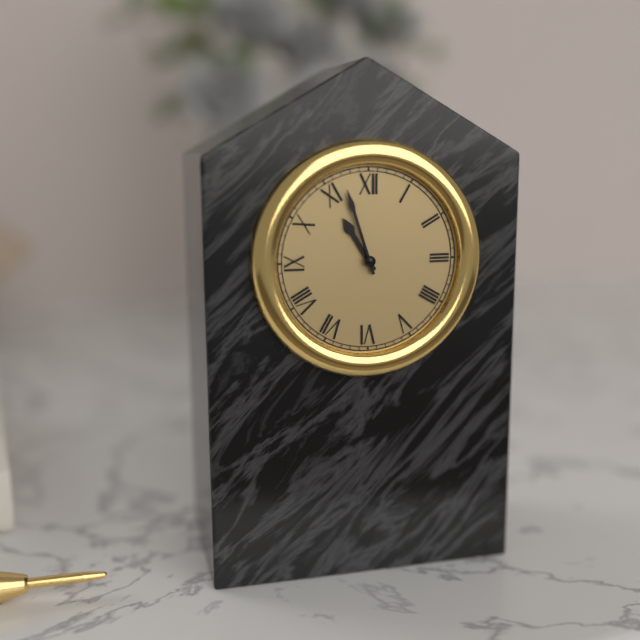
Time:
**10:57**
